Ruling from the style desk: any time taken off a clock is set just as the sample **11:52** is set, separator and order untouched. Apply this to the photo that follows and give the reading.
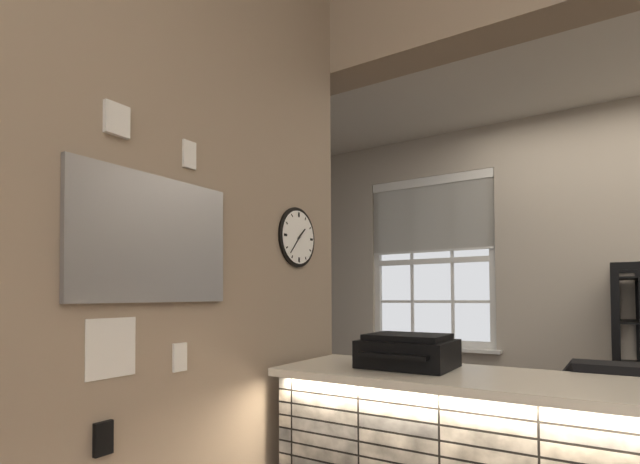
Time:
**1:37**
